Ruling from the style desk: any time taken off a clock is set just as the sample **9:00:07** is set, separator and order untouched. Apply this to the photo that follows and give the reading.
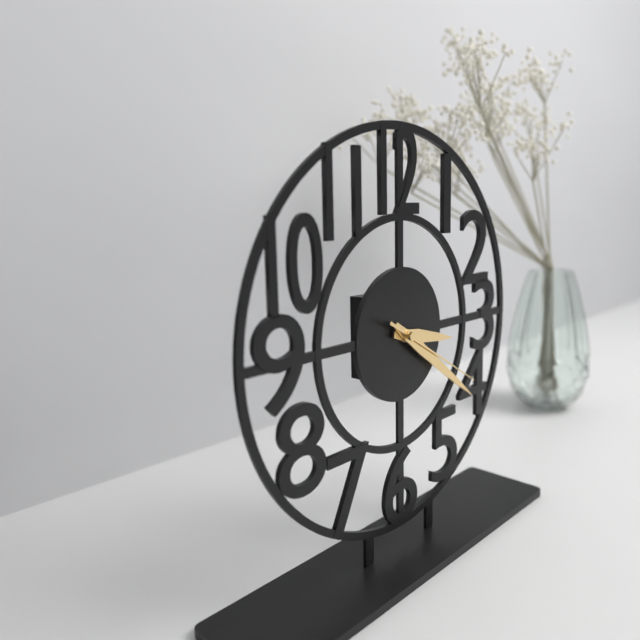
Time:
**3:21:20**
